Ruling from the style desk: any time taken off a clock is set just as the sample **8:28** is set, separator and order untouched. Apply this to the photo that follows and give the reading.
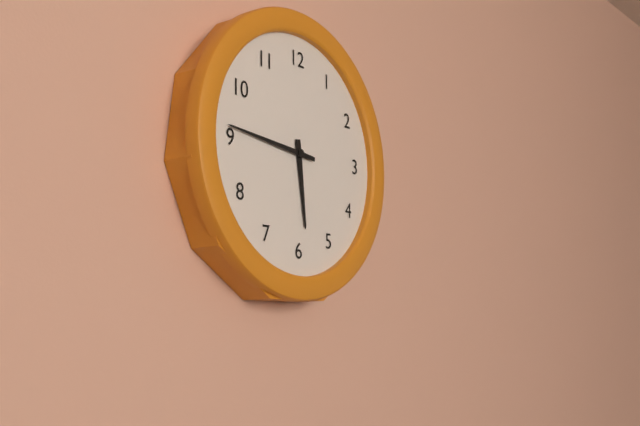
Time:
**5:46**
